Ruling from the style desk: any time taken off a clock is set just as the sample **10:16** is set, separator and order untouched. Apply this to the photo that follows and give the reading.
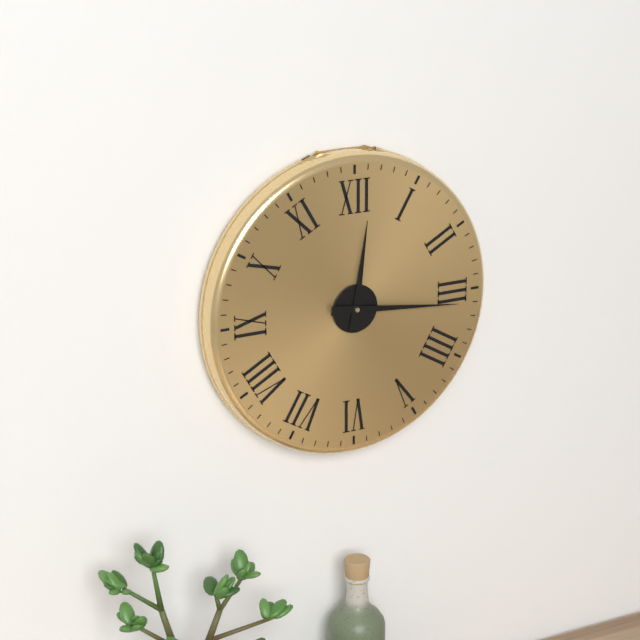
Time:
**12:16**
